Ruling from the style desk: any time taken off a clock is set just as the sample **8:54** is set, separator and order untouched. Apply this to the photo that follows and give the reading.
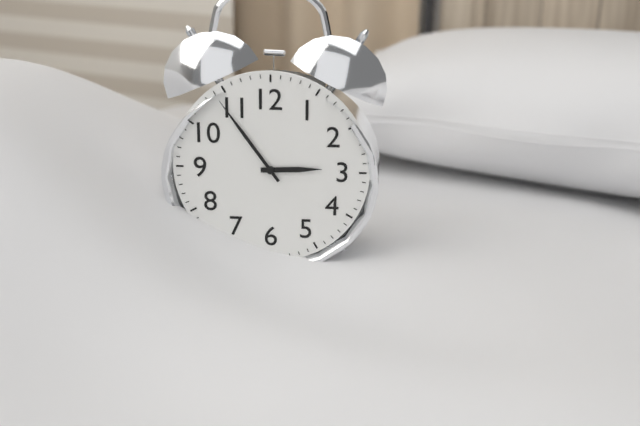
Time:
**2:54**
